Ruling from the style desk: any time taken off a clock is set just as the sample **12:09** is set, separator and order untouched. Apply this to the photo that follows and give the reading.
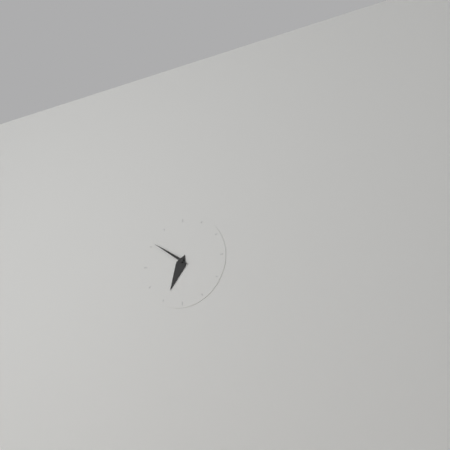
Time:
**6:51**
